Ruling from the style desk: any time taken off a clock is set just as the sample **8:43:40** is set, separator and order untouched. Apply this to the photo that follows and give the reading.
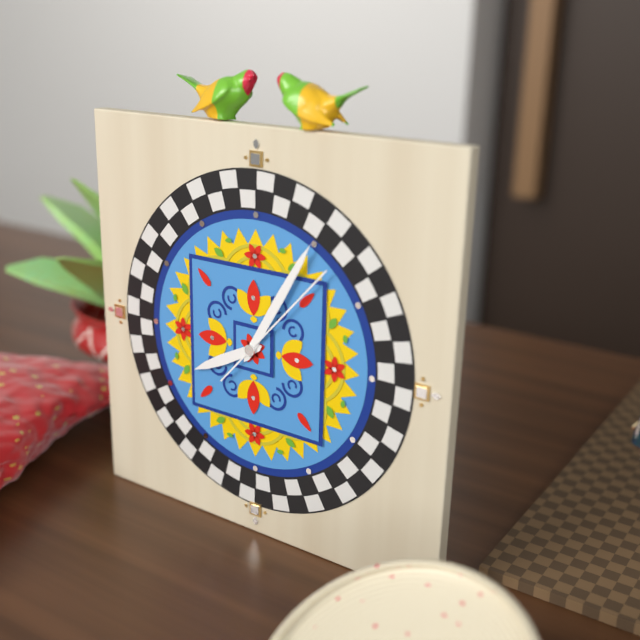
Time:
**8:05:07**
